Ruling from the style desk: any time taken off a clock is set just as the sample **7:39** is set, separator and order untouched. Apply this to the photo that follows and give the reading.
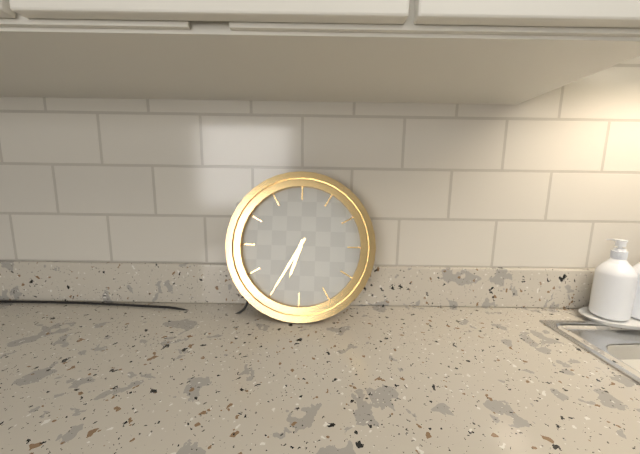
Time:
**6:35**
